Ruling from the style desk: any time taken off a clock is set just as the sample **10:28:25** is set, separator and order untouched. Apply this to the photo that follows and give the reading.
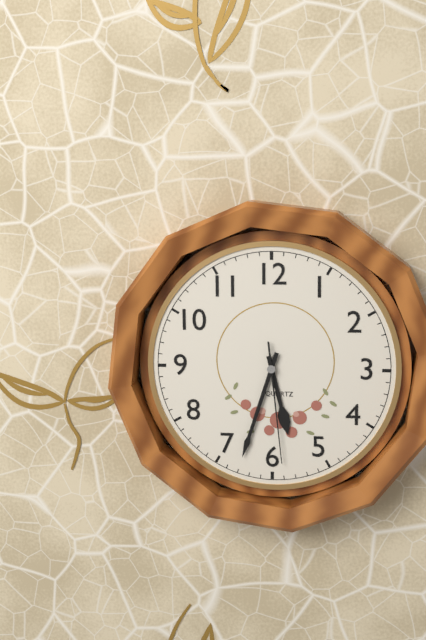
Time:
**5:33:29**
